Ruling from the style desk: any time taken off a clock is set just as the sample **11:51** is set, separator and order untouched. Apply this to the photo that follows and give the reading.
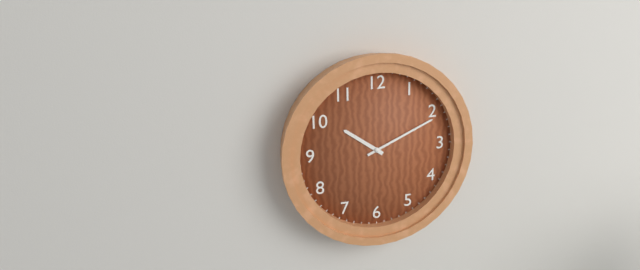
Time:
**10:11**
